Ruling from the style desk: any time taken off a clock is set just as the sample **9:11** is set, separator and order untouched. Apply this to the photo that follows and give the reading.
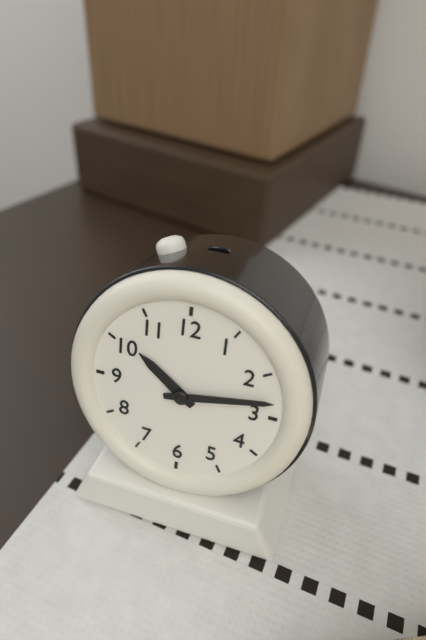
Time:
**10:13**
